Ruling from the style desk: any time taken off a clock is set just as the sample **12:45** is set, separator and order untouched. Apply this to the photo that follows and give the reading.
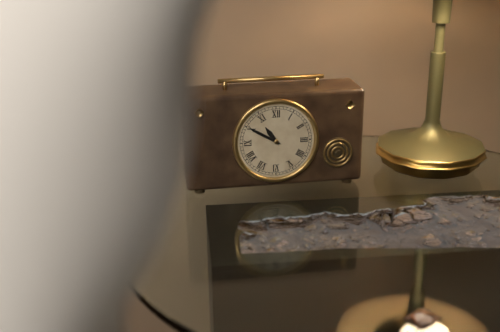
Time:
**10:50**
